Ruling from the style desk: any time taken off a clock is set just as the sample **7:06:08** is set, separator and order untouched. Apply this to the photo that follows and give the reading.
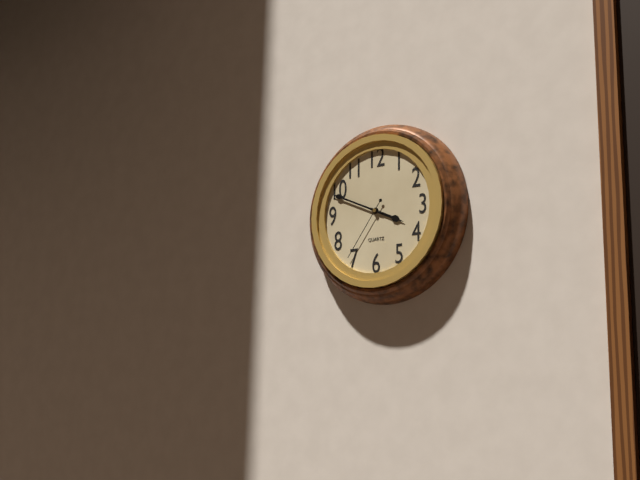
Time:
**3:49:36**
